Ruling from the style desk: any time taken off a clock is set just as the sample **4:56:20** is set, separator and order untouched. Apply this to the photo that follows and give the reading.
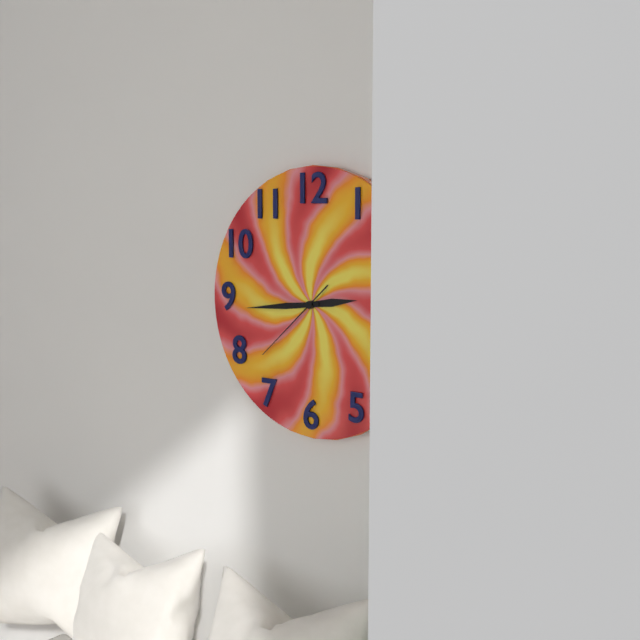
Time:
**2:44:38**
